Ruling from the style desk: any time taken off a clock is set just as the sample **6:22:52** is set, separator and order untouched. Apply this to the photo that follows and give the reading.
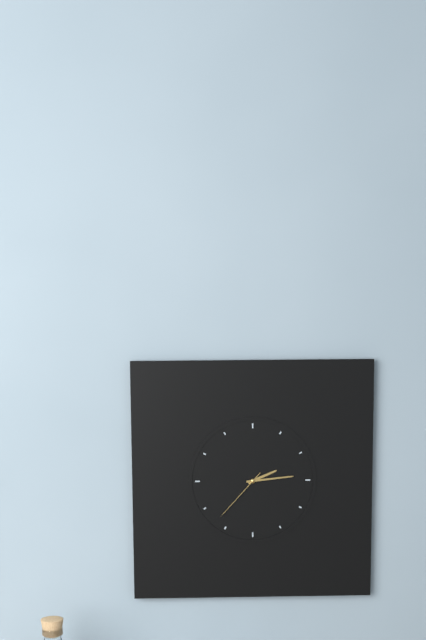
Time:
**2:14:37**
